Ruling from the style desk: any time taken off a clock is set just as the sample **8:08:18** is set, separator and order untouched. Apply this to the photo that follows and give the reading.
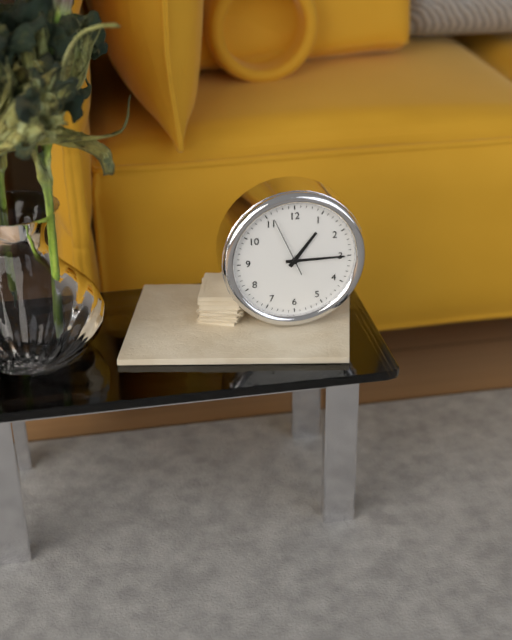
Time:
**1:15:56**
